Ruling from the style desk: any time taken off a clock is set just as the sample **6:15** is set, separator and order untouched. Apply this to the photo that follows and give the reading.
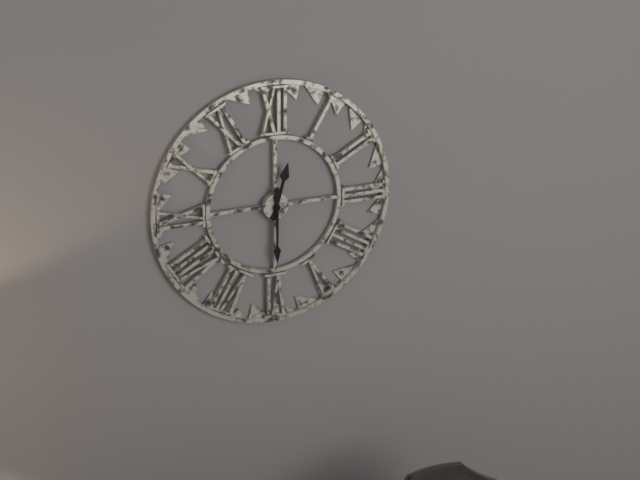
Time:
**12:30**
